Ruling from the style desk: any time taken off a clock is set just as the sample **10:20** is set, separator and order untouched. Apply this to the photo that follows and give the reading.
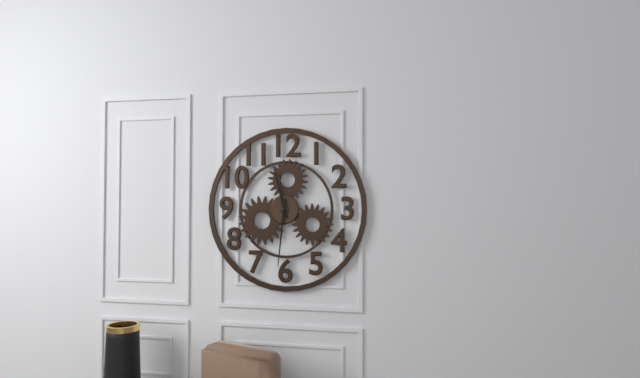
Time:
**11:31**
